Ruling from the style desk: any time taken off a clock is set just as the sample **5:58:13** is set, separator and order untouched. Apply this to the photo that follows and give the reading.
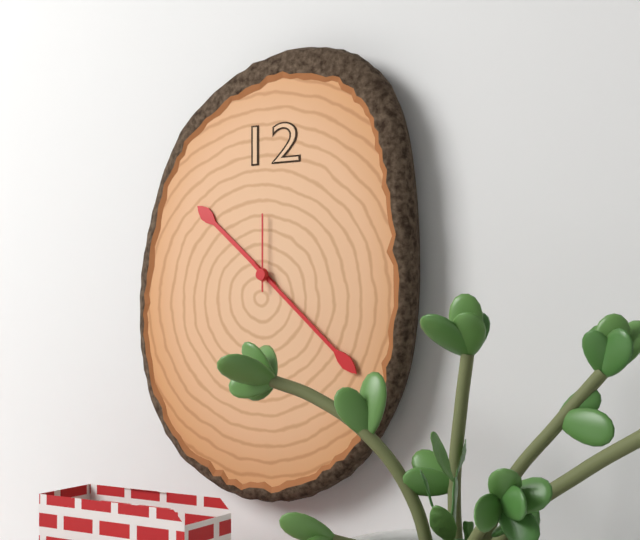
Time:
**10:22:00**
